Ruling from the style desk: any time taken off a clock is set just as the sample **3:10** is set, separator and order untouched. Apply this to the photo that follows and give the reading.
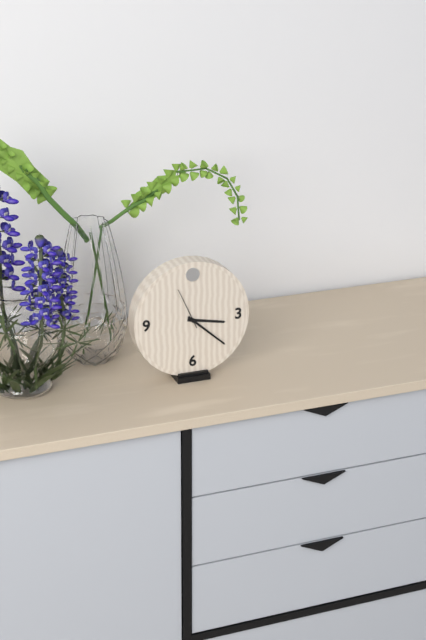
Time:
**3:22**
